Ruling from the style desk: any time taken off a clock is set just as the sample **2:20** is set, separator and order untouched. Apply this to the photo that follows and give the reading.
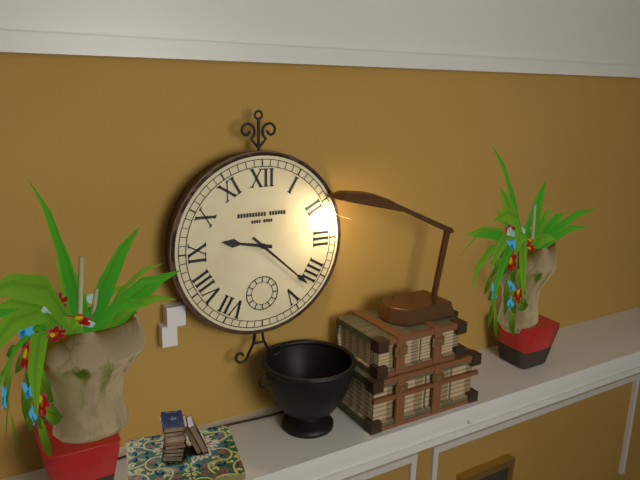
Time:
**9:22**
